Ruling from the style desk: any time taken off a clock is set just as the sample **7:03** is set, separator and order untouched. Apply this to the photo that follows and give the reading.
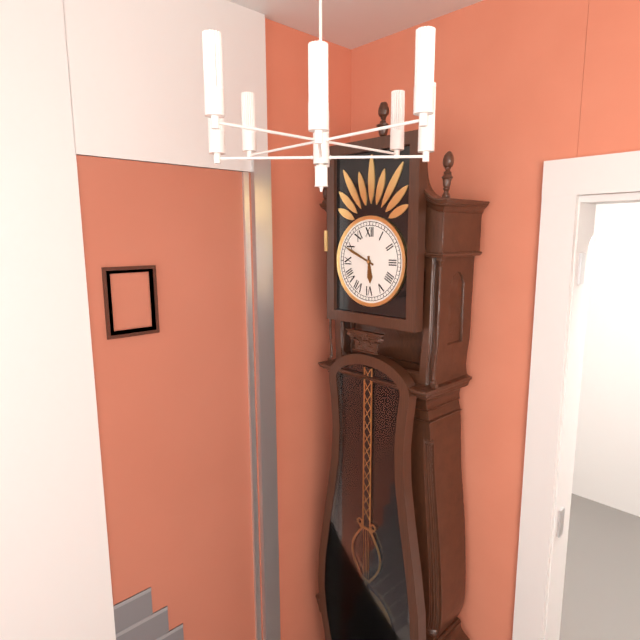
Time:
**5:49**
